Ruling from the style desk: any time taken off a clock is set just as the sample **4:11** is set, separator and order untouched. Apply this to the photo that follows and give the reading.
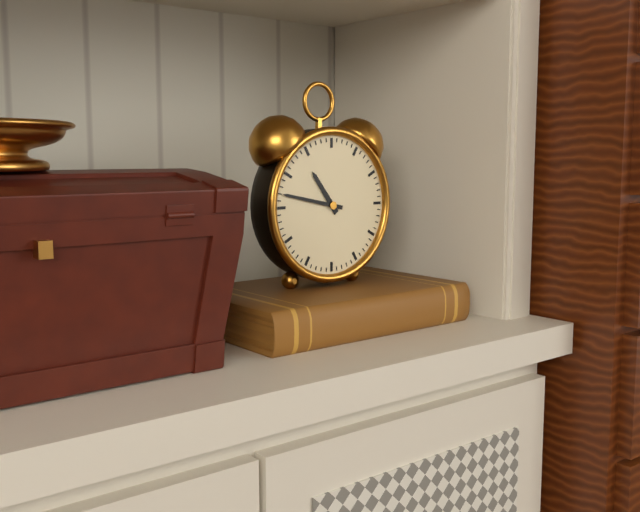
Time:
**10:47**
